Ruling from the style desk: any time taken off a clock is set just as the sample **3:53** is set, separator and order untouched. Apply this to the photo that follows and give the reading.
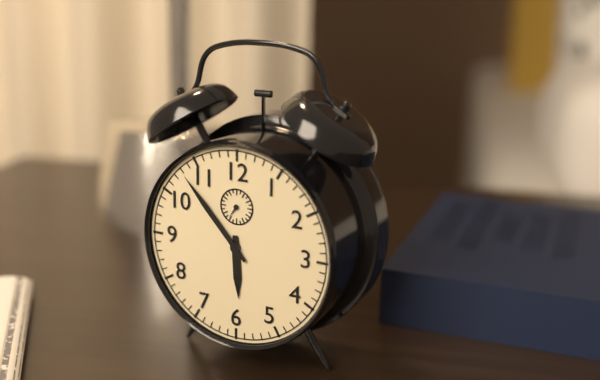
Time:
**5:53**
